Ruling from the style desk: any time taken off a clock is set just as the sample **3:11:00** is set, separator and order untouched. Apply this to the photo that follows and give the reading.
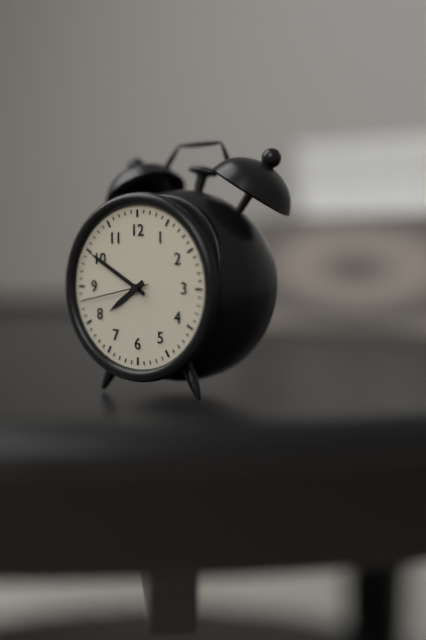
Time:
**7:50:43**
